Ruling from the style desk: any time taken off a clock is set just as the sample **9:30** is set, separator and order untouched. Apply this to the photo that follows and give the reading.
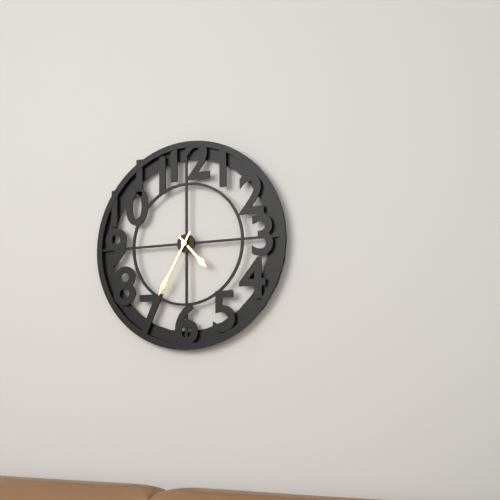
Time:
**4:35**
